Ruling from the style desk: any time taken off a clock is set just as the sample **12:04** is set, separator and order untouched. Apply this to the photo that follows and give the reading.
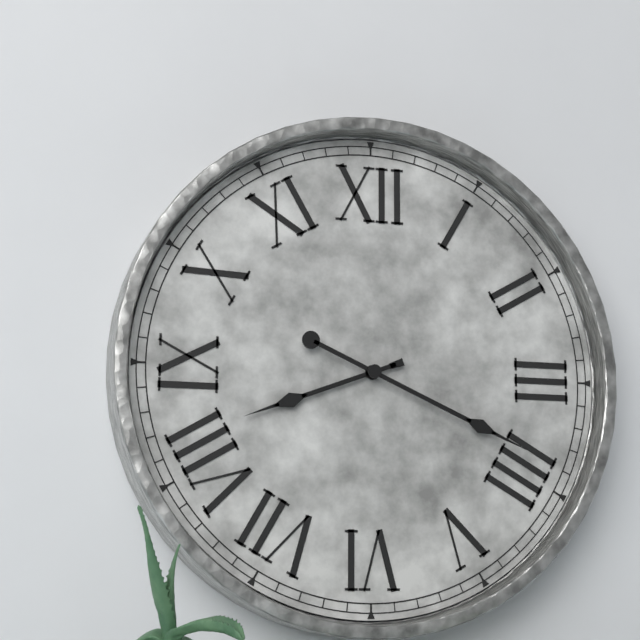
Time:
**8:19**
